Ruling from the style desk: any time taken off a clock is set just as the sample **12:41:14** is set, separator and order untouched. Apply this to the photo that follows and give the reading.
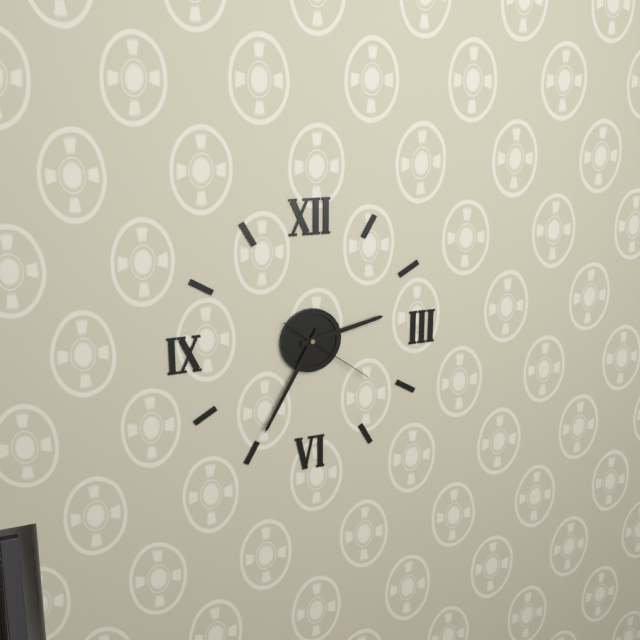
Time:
**2:35:21**
